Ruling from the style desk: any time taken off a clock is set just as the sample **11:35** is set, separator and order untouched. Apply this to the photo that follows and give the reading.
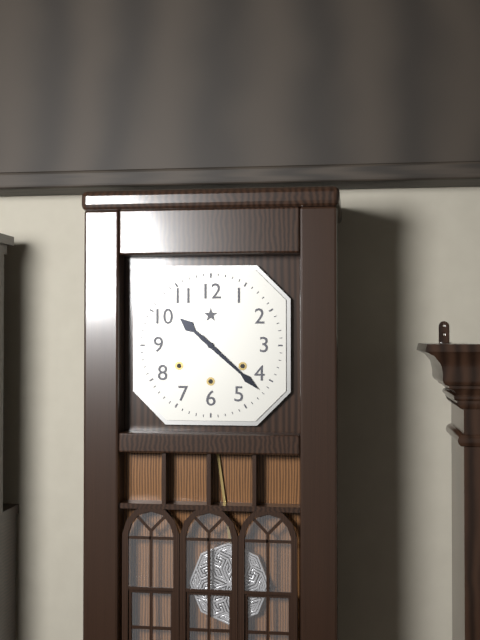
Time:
**10:22**
